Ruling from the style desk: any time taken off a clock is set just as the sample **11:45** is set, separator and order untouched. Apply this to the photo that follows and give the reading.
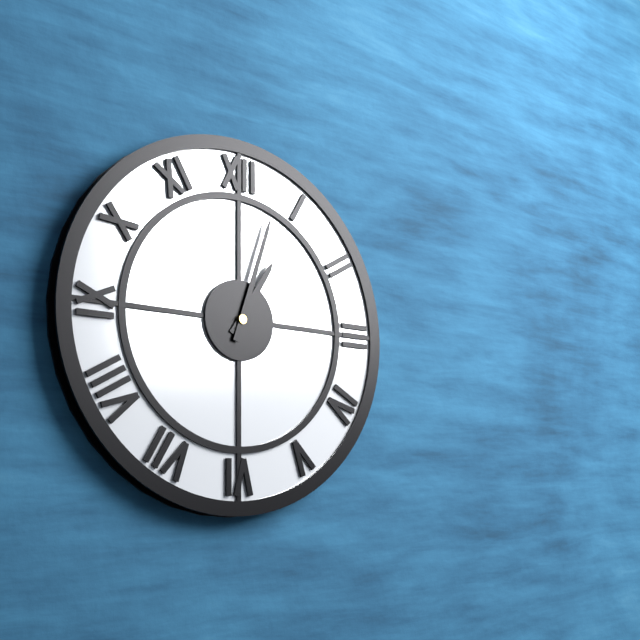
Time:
**1:03**
